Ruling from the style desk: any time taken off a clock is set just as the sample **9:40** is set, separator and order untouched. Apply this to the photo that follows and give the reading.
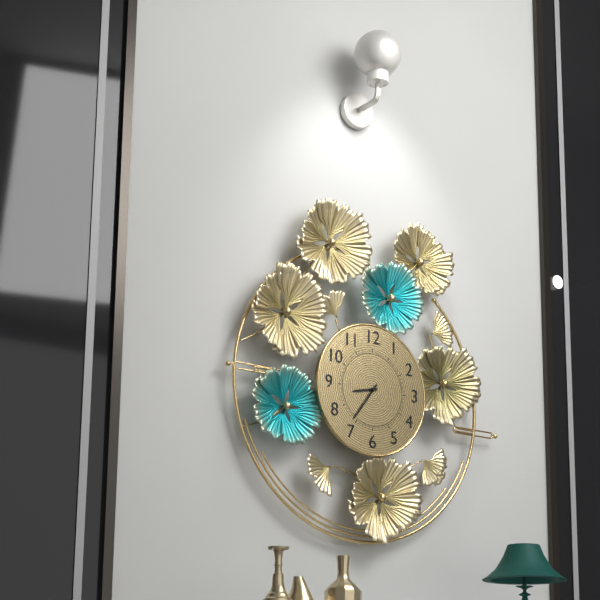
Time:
**8:36**
